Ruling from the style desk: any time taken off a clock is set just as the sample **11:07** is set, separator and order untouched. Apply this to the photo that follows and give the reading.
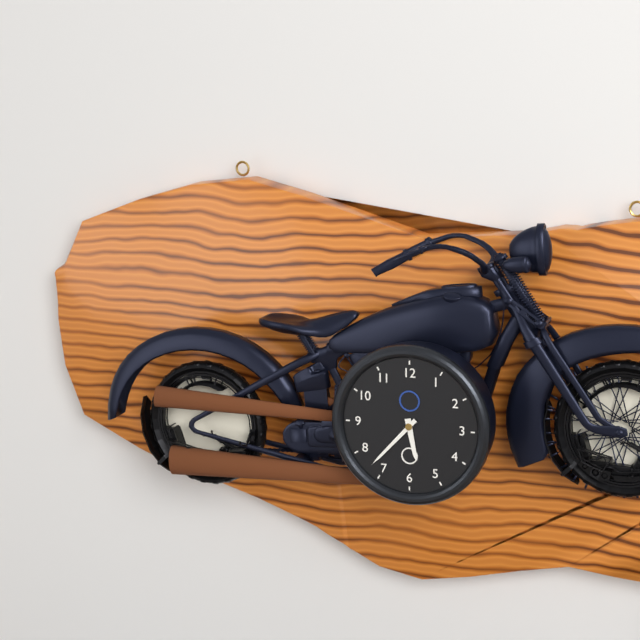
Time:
**5:37**
